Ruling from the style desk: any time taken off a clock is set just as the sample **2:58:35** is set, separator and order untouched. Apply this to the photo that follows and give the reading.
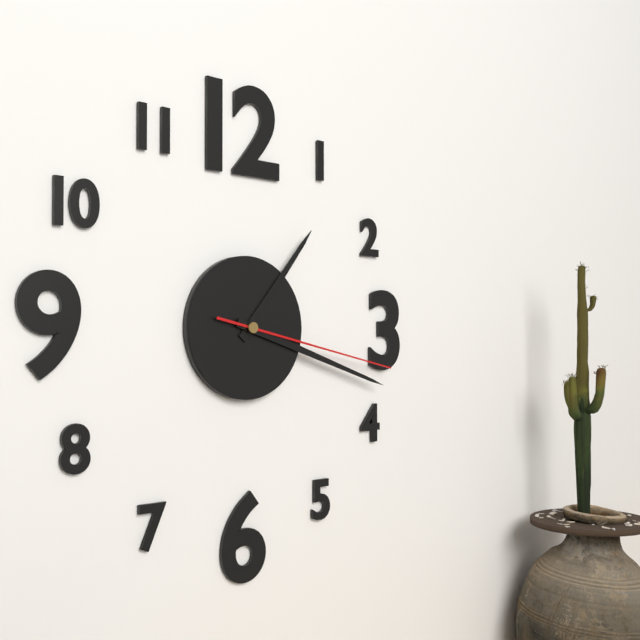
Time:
**1:18:17**
